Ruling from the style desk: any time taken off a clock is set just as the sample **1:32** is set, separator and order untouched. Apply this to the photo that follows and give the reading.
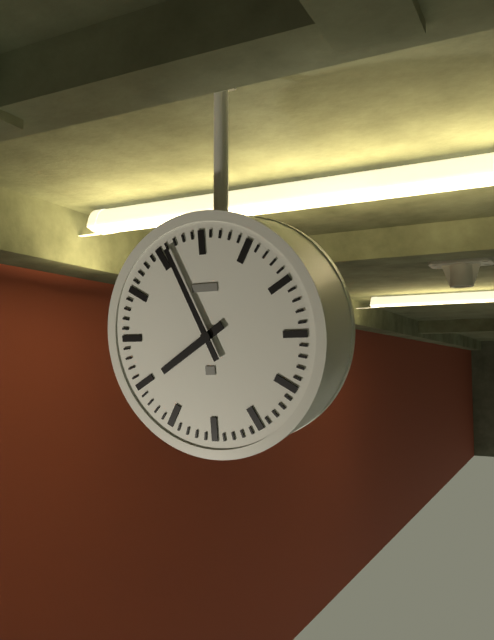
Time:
**7:56**
